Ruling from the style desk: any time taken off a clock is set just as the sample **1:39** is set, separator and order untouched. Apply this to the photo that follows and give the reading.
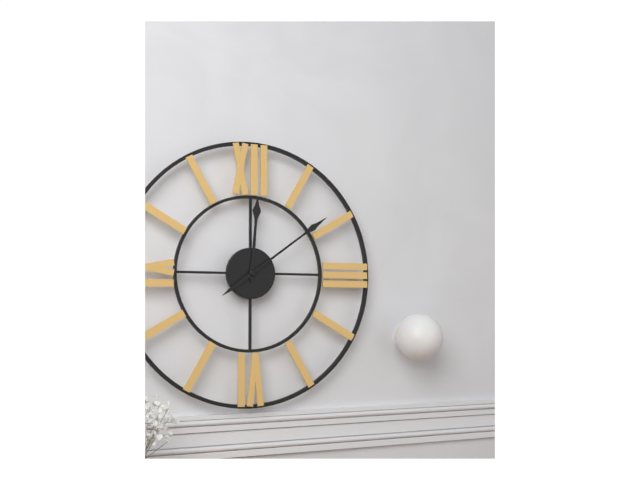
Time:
**12:09**
